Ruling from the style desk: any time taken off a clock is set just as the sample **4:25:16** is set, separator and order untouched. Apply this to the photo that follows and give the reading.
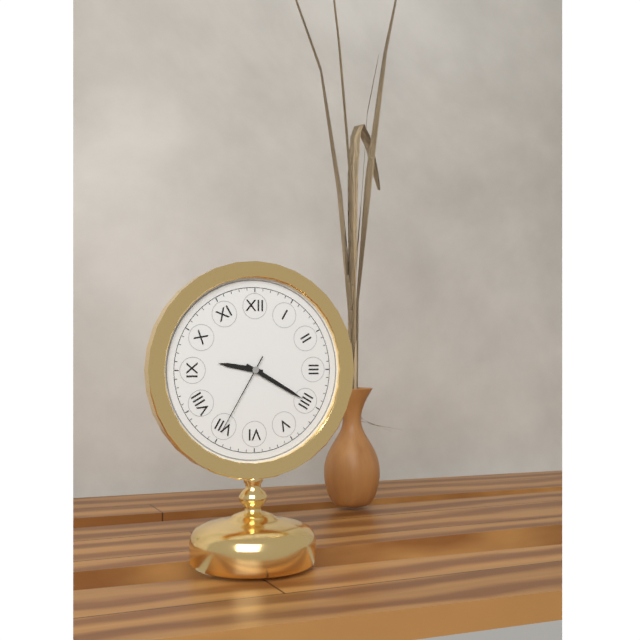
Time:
**9:20:35**
